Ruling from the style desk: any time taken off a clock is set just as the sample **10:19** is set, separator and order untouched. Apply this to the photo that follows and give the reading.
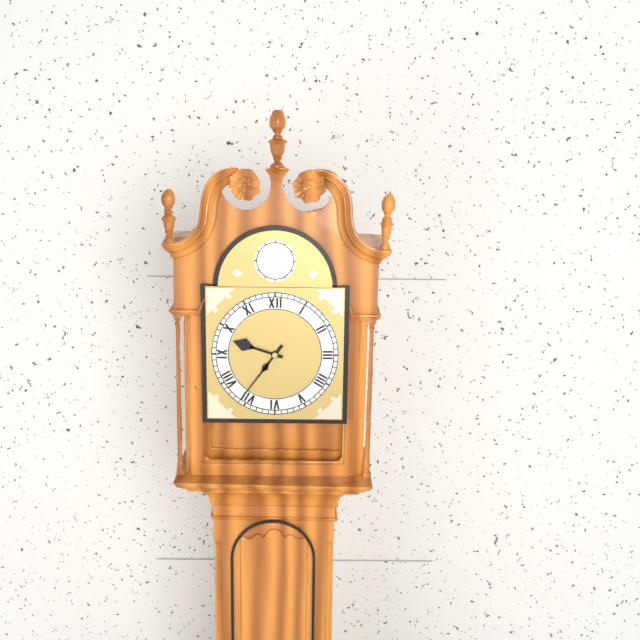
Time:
**9:36**
